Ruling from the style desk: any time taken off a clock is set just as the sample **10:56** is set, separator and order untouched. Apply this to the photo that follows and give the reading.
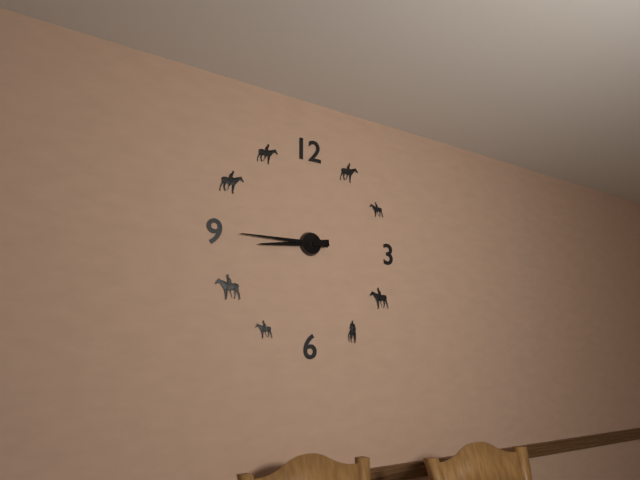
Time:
**8:45**
